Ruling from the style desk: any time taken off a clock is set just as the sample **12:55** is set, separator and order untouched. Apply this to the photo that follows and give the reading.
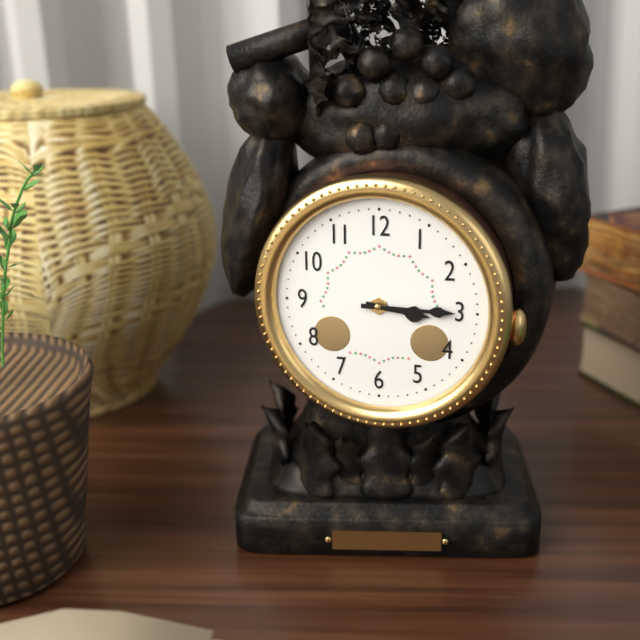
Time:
**3:15**
